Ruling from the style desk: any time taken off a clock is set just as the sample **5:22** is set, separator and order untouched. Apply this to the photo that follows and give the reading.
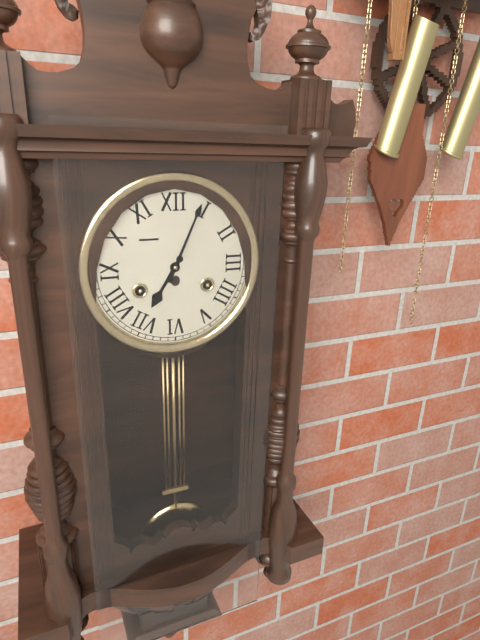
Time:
**7:04**
